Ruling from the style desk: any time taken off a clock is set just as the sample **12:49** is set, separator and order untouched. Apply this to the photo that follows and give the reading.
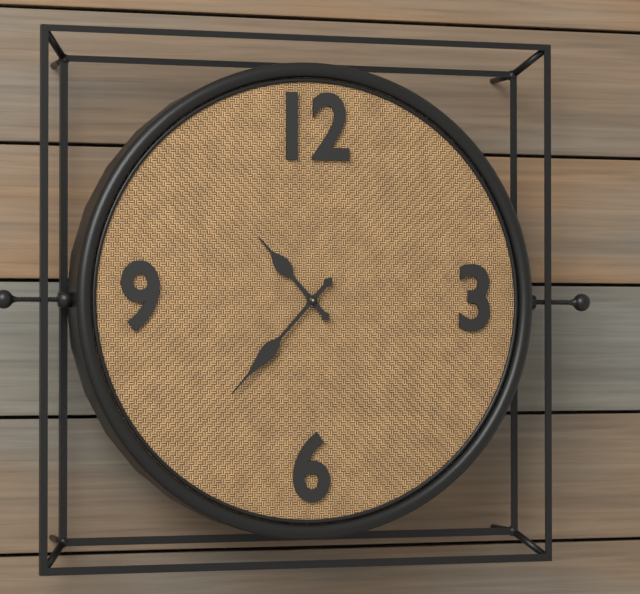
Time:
**10:37**
